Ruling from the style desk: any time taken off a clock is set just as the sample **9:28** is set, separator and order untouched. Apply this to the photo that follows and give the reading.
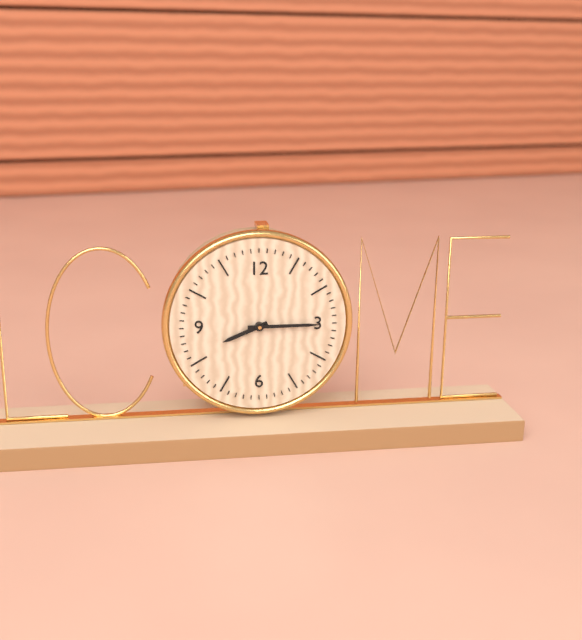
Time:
**8:15**
